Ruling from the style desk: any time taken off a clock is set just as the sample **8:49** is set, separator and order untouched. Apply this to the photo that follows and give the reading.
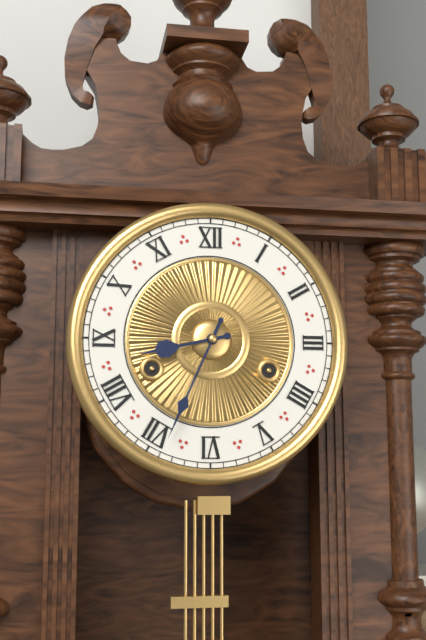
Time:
**8:34**
